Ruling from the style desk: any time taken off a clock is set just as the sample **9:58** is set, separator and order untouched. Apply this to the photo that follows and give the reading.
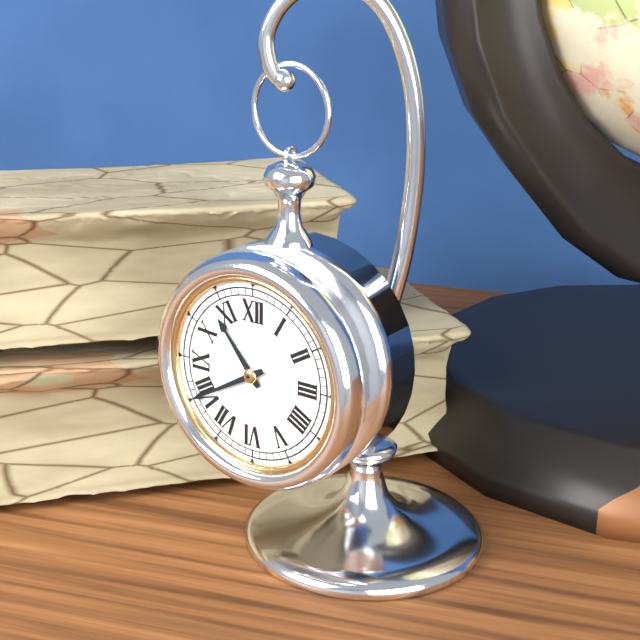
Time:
**10:40**
